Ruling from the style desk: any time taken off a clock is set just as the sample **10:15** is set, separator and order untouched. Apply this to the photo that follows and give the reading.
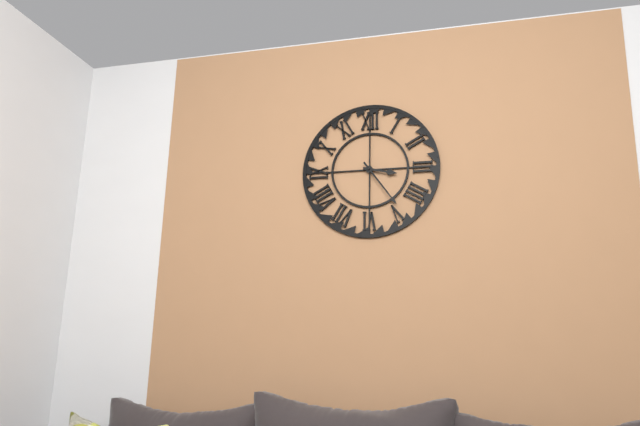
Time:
**3:24**
